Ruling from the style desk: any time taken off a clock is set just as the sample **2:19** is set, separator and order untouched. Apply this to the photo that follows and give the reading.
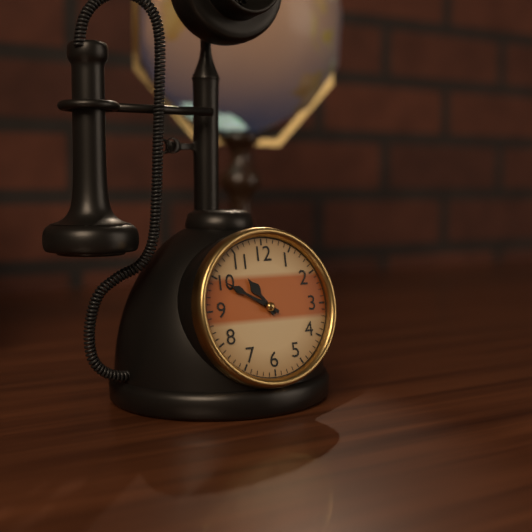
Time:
**10:50**
